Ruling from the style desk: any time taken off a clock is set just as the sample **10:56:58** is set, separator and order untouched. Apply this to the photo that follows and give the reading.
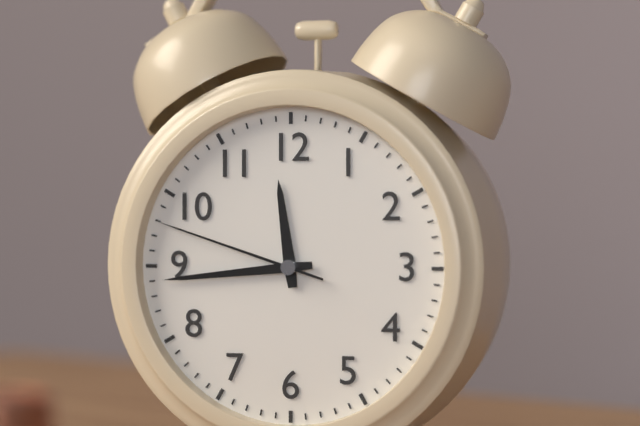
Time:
**11:44:48**
